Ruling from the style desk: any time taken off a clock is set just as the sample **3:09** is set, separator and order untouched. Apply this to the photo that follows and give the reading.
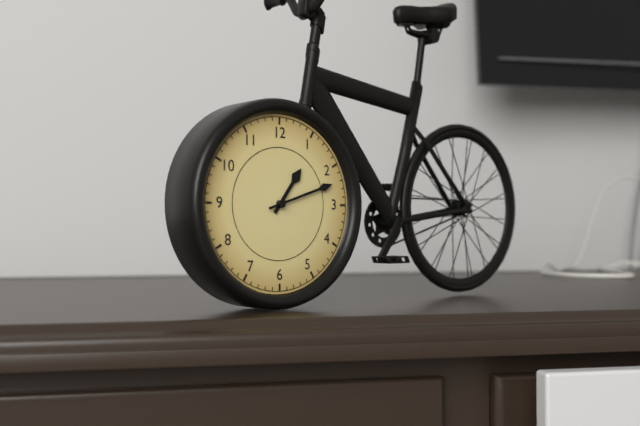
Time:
**1:12**
